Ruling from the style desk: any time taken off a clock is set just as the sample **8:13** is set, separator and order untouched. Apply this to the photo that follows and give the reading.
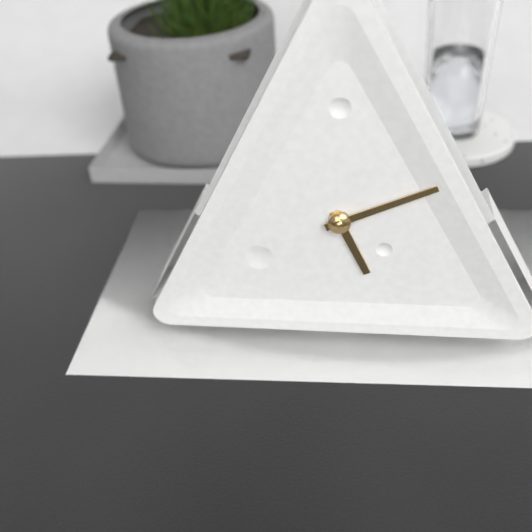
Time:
**5:11**
